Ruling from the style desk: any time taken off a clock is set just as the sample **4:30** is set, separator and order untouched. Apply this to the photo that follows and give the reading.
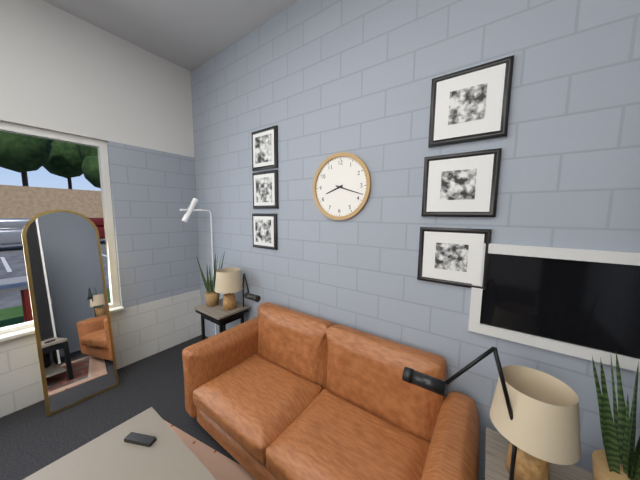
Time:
**8:18**
